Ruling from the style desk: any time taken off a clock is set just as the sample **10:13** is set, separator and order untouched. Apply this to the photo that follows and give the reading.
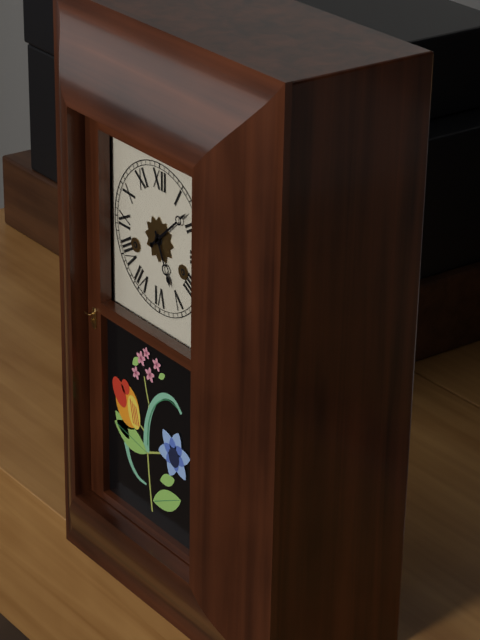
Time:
**5:08**
